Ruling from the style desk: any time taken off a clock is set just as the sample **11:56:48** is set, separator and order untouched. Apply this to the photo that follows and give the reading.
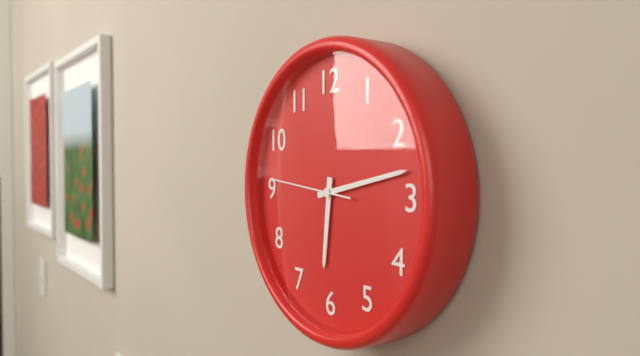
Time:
**6:13:46**
